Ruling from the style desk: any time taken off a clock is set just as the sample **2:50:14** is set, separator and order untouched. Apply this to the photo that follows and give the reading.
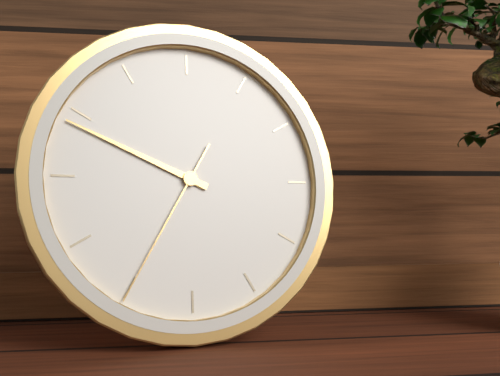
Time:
**9:49:35**
